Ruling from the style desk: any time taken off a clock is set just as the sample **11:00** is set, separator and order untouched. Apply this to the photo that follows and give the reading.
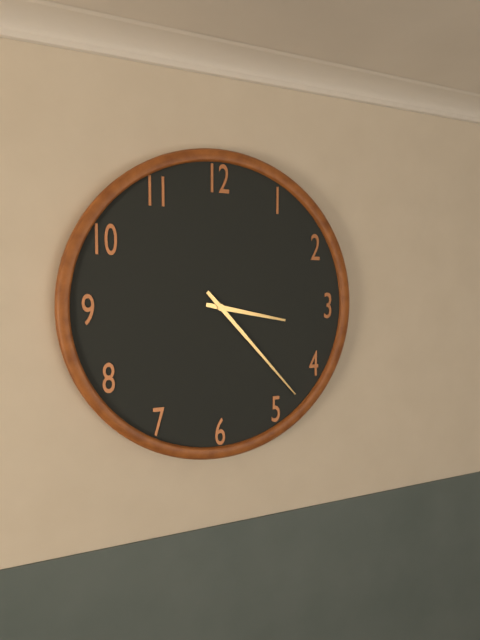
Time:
**3:23**
